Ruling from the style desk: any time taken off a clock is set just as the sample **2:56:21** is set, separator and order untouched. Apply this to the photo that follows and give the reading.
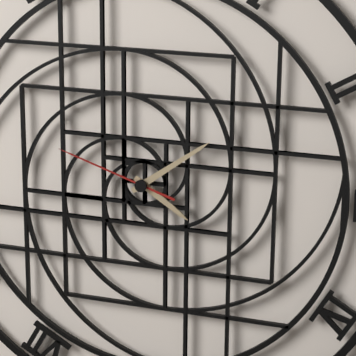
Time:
**4:09:48**
